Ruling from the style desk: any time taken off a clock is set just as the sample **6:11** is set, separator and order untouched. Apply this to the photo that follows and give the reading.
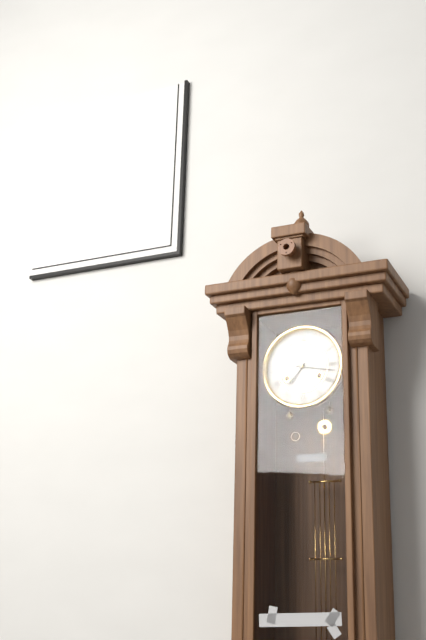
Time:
**7:17**
